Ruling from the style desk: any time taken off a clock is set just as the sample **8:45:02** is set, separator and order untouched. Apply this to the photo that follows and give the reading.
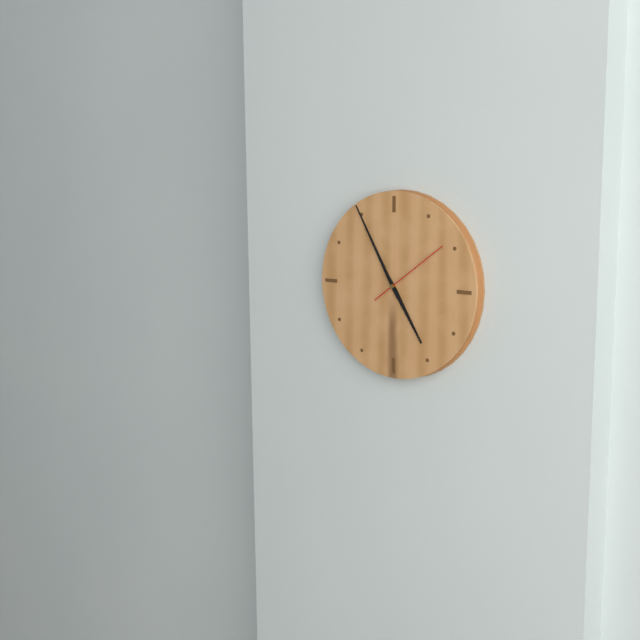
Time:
**4:55:09**
